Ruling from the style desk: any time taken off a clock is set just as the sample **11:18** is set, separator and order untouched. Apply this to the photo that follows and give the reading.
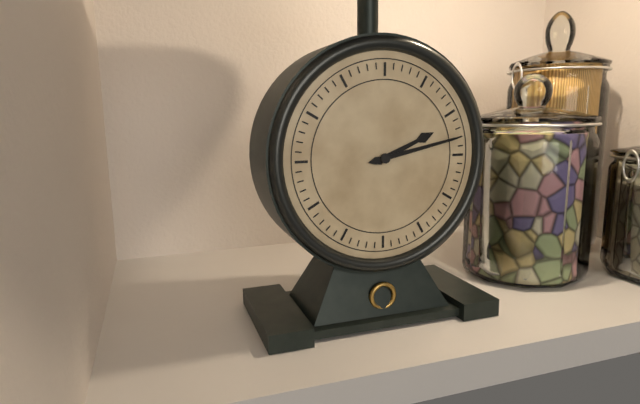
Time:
**2:13**
